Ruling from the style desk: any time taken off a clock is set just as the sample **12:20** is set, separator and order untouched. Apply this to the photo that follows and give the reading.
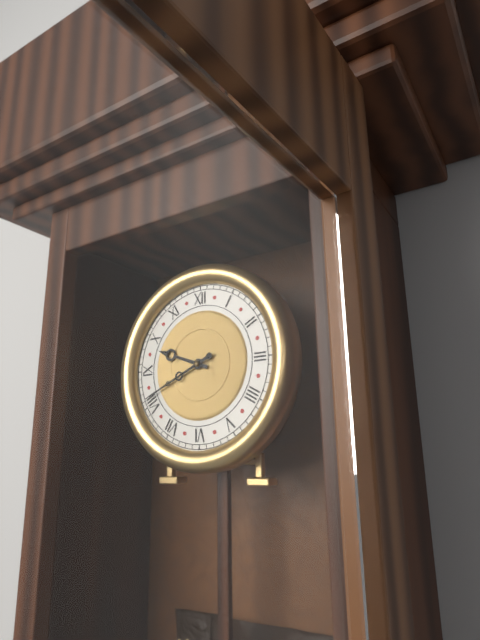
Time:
**9:41**
